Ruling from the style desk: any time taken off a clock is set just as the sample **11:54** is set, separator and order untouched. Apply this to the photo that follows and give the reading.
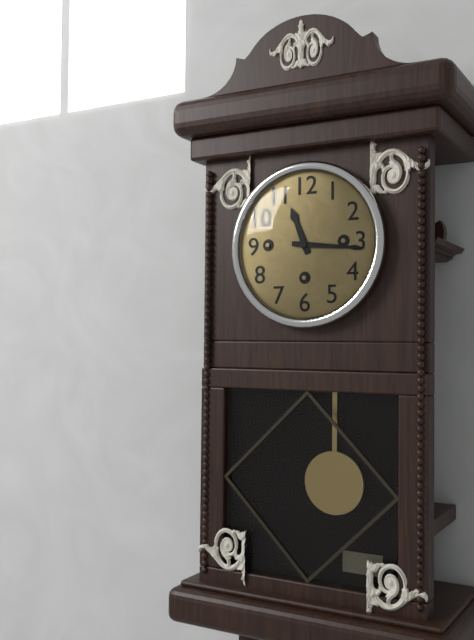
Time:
**11:16**
